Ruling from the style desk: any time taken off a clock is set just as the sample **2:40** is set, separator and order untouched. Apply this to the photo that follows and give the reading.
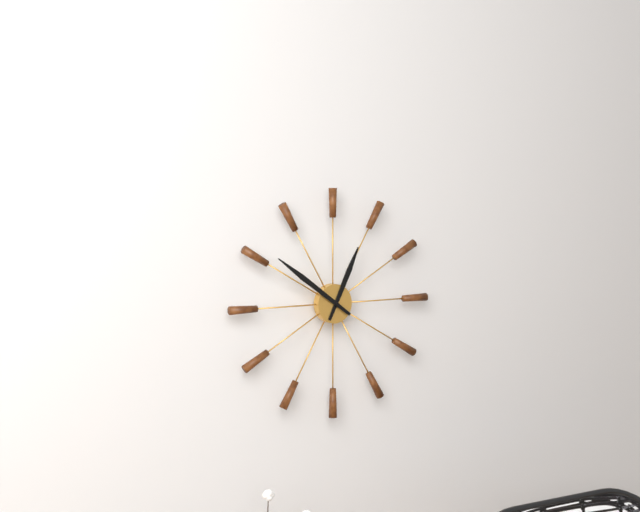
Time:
**12:51**
